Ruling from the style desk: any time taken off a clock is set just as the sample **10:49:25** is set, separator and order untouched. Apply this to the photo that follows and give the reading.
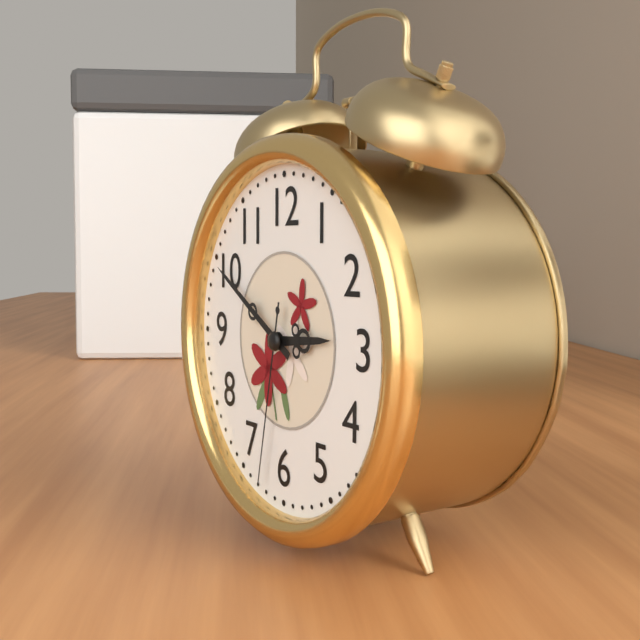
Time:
**2:50:32**
